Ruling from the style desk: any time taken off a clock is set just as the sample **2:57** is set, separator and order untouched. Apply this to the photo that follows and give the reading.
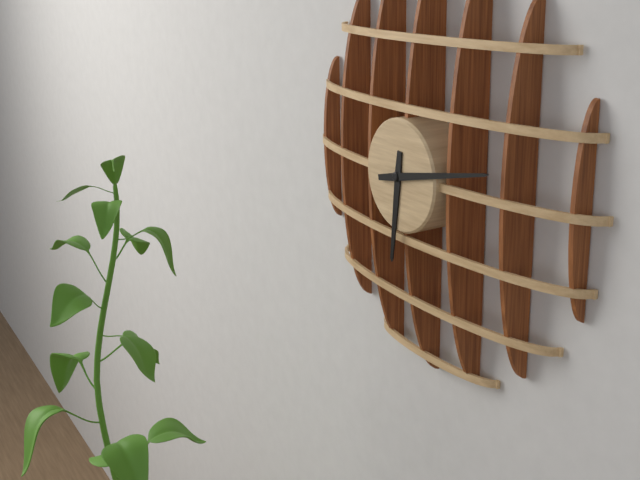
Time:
**6:13**
